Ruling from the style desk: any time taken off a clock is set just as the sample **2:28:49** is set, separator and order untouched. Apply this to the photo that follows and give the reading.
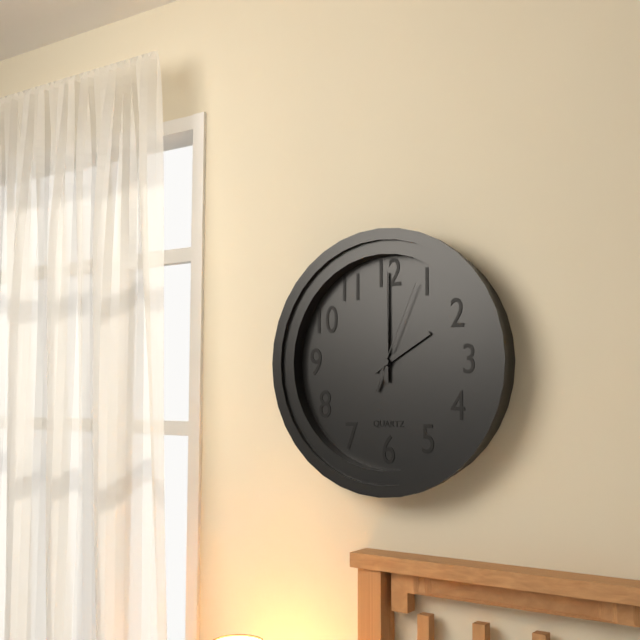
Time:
**2:00:04**
